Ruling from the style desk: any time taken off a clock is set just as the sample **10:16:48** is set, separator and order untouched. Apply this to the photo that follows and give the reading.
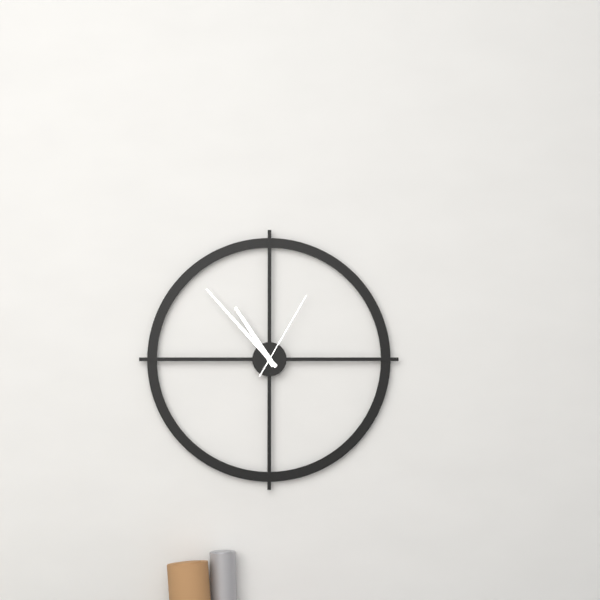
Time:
**10:53:05**
